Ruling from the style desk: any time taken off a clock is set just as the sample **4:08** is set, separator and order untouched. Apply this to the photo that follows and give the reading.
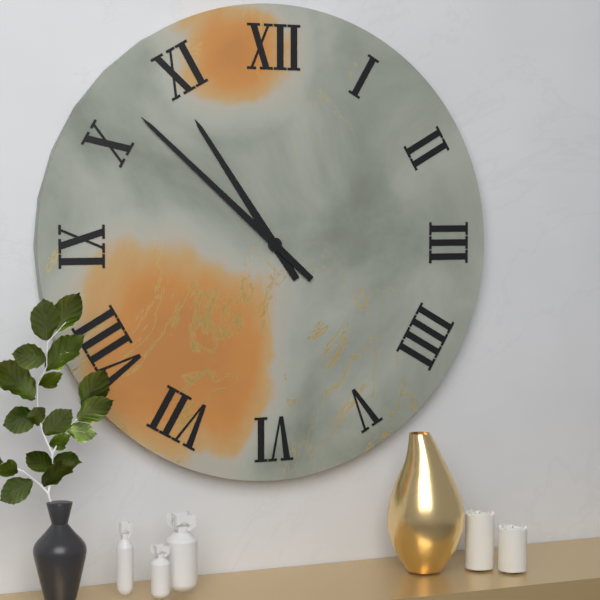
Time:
**10:52**
